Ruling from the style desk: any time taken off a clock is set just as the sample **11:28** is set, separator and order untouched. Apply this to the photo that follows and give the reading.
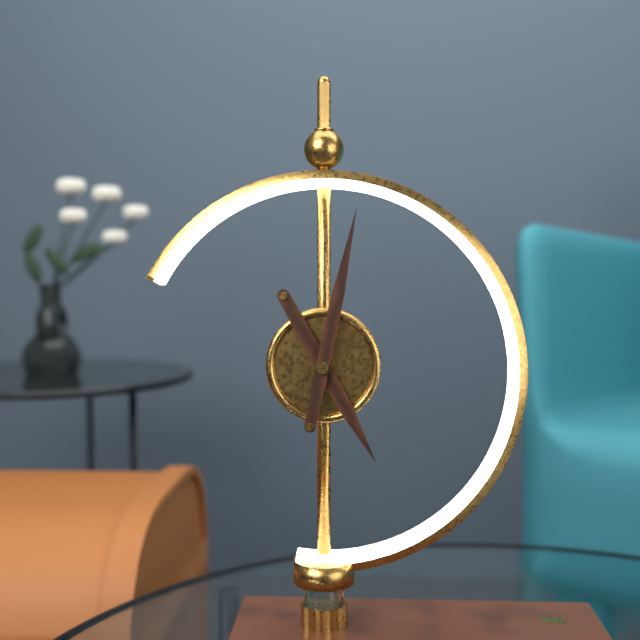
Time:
**5:02**
